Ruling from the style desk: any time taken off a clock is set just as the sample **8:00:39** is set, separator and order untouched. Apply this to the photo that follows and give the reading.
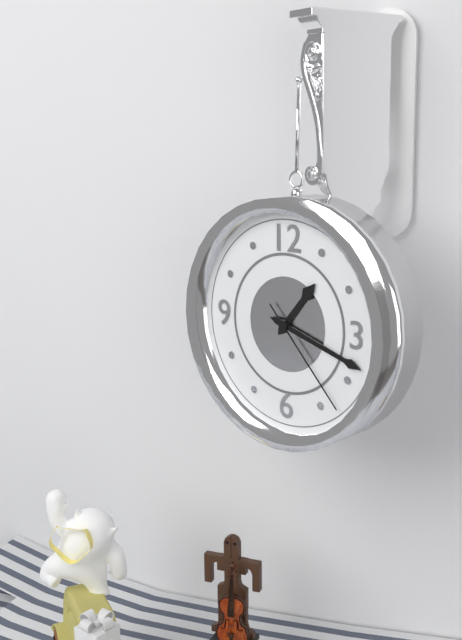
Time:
**1:18:23**
